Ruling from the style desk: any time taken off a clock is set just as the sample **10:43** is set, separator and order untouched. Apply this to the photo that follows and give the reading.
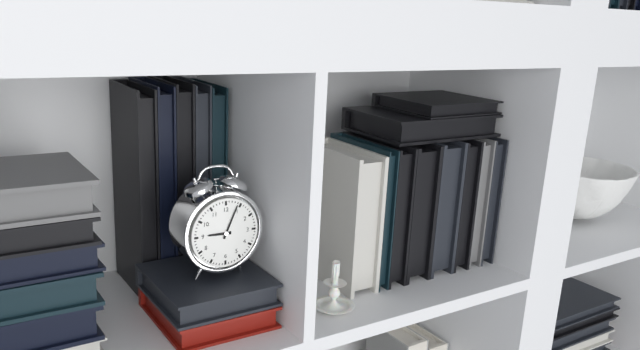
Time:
**9:04**
